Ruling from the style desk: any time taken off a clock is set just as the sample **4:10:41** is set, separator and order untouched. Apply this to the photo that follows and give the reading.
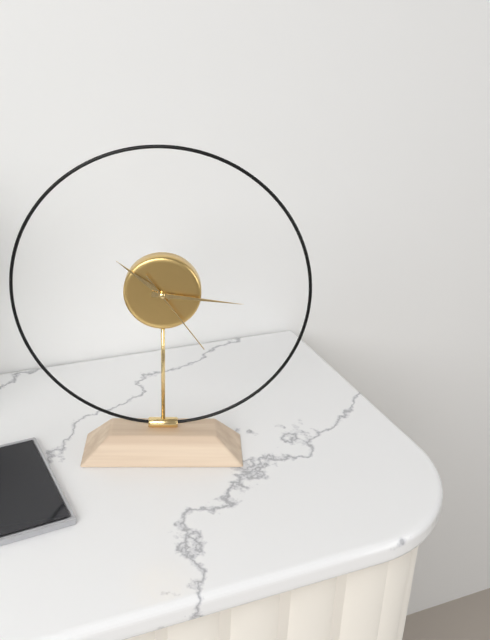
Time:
**10:16:24**
